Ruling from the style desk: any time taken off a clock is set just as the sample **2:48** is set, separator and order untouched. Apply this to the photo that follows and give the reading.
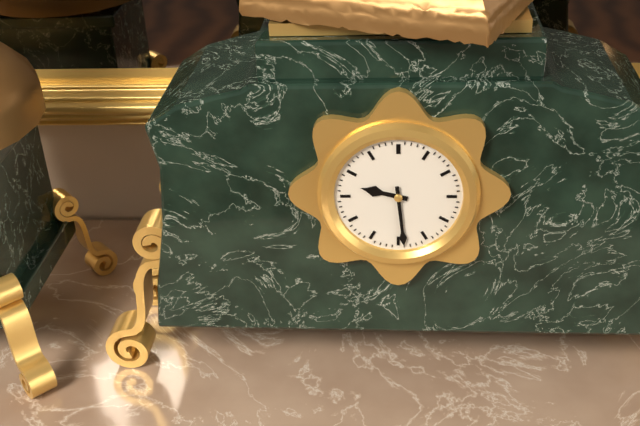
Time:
**9:29**
